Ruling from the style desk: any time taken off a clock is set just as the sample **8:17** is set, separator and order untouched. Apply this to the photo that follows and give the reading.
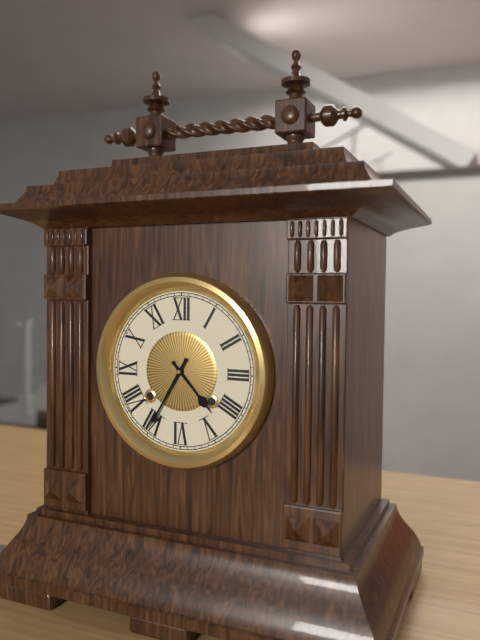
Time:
**4:35**
